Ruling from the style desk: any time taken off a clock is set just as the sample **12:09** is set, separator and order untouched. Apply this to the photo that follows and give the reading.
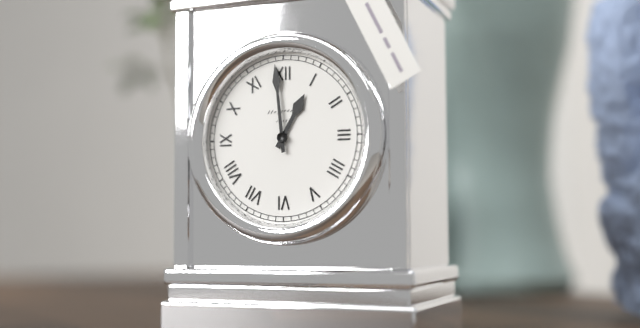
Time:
**12:59**
